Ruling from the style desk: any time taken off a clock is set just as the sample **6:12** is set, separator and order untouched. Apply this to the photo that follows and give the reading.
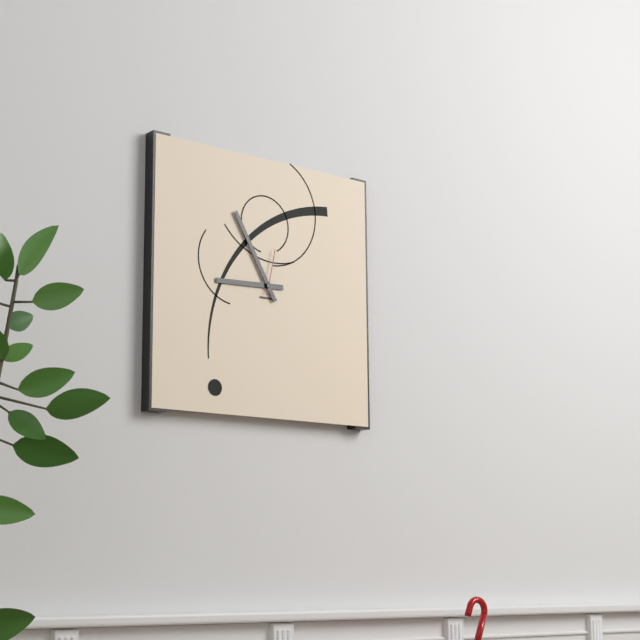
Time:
**8:55**
